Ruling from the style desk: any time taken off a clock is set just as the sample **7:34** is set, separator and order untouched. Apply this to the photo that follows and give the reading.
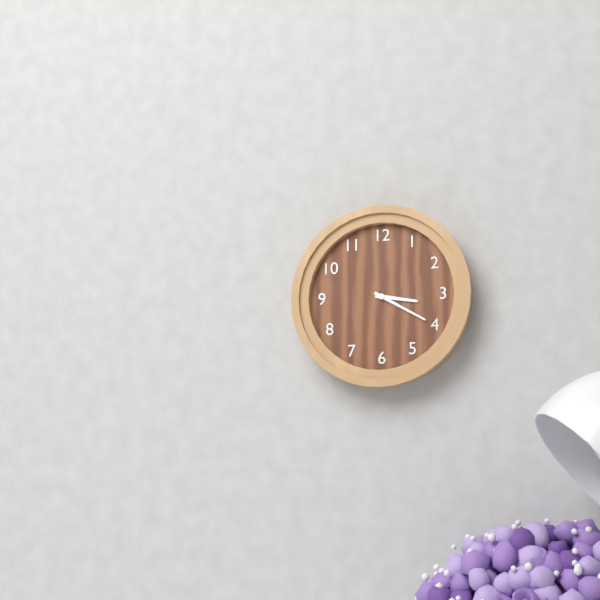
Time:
**3:20**
